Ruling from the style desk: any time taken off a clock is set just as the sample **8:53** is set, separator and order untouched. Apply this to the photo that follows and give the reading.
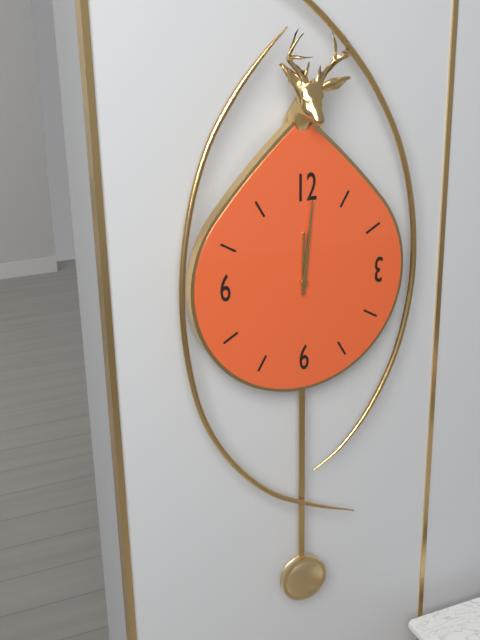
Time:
**12:01**
